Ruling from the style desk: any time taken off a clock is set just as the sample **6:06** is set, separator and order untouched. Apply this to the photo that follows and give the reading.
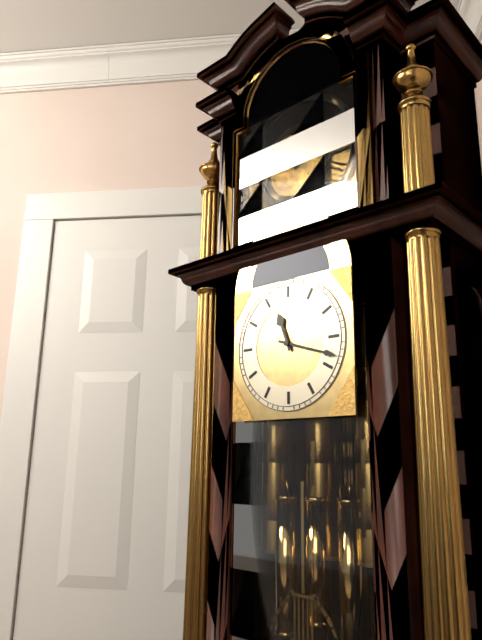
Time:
**11:18**
